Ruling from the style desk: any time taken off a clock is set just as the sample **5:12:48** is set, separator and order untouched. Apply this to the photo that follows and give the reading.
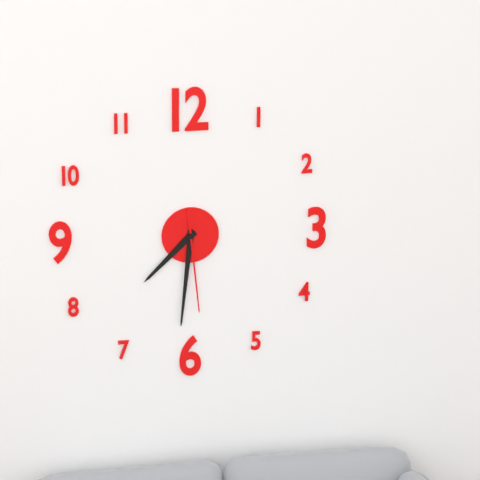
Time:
**7:31:29**
